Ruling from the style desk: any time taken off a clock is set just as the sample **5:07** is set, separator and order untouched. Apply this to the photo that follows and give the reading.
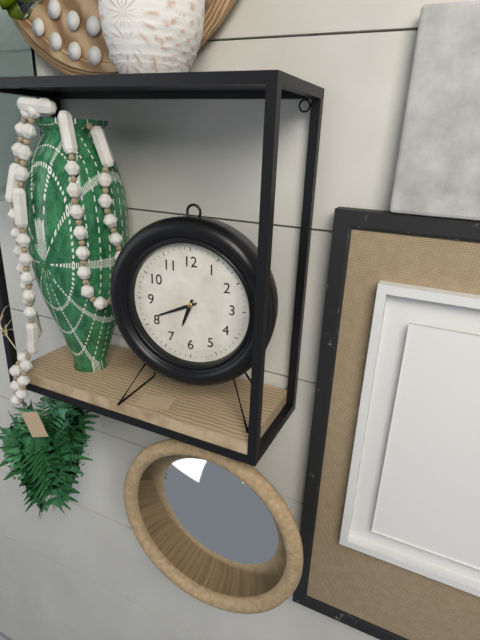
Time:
**6:41**
